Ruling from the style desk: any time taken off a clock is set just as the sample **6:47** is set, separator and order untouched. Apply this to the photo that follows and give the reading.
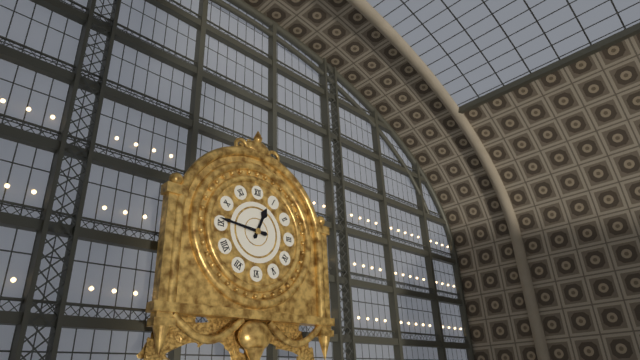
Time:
**12:46**
